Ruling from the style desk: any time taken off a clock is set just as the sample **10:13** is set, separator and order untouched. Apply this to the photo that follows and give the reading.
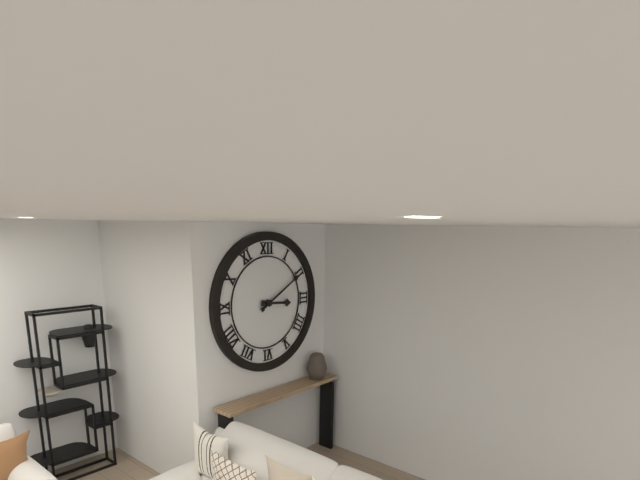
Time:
**3:10**
